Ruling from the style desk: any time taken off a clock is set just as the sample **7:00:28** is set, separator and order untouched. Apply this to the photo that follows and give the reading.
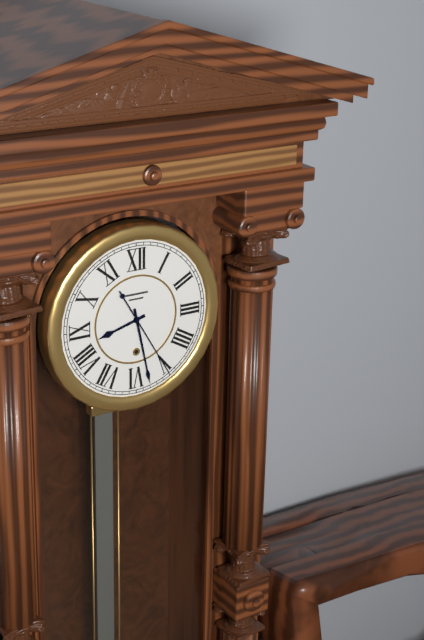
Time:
**8:28:25**
